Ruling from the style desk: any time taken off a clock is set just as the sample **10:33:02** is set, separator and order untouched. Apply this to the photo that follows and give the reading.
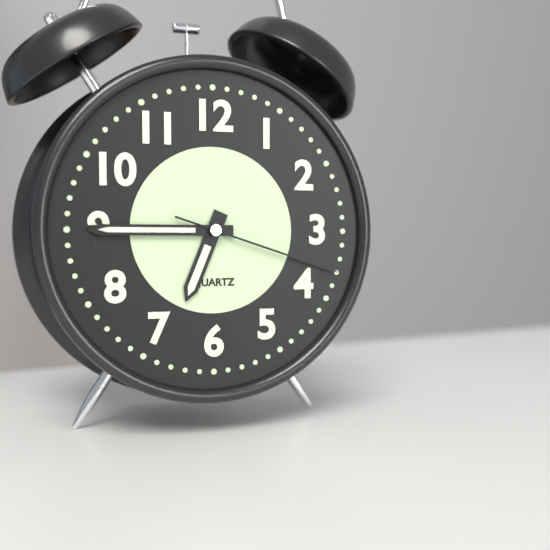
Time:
**6:45:18**
